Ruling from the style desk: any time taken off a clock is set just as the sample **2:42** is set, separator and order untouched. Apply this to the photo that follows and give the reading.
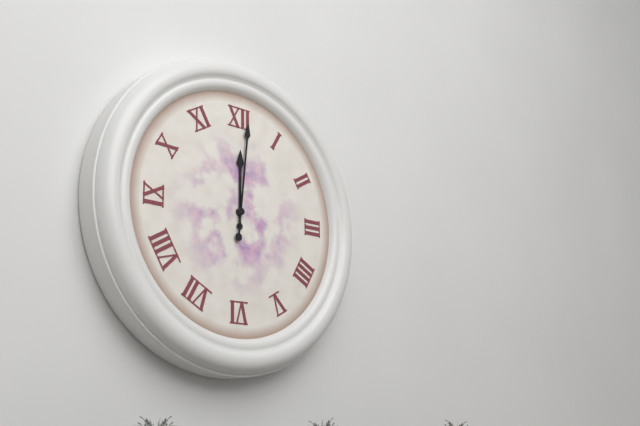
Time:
**12:01**
